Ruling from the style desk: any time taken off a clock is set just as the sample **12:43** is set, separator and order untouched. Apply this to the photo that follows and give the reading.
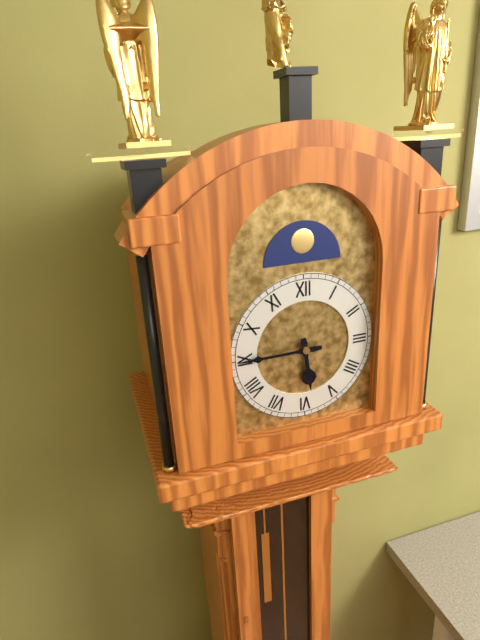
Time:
**5:45**
